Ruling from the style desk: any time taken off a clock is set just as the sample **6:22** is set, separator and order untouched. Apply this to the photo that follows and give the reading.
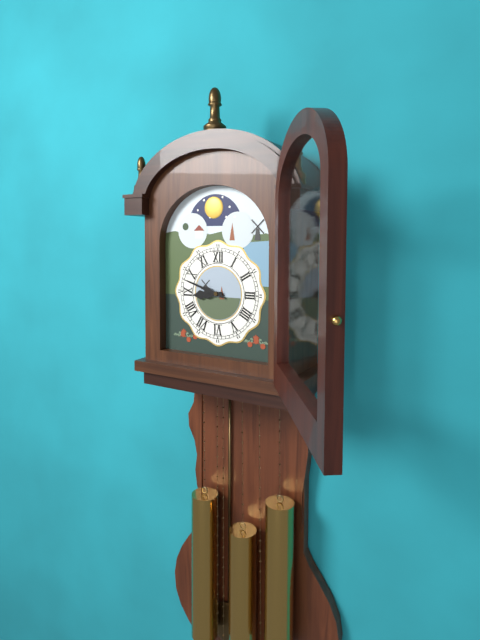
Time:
**8:48**
